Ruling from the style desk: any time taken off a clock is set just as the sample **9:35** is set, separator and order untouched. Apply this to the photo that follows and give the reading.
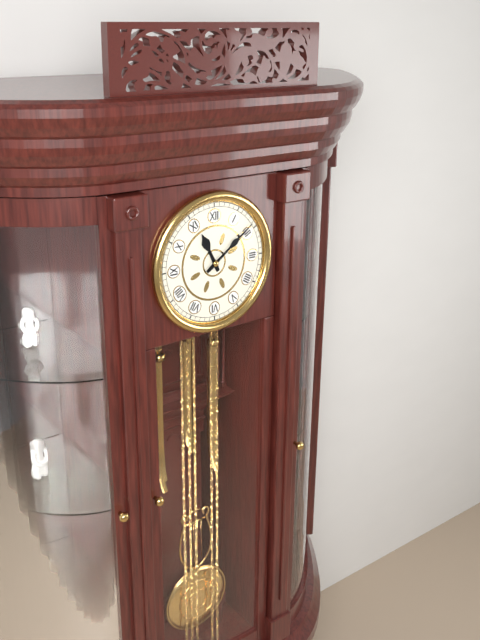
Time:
**11:09**
